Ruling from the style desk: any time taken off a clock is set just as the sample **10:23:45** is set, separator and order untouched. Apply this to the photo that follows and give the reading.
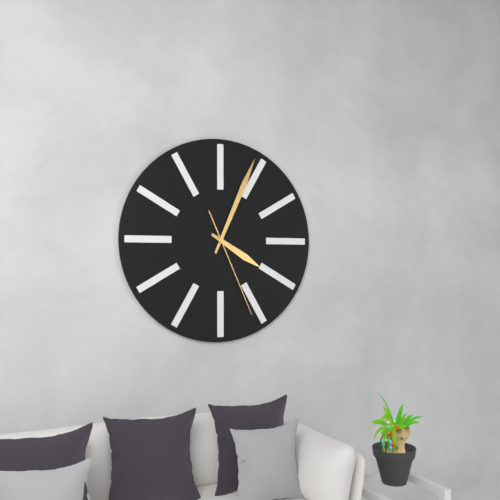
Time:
**4:04:26**
